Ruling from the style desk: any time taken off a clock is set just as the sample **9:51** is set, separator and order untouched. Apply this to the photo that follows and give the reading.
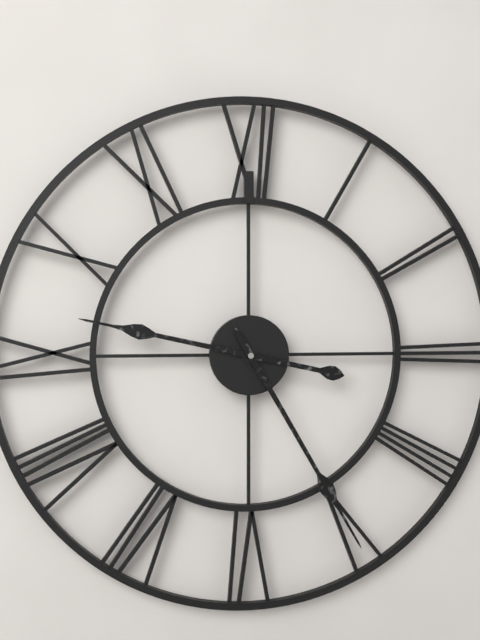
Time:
**9:25**
